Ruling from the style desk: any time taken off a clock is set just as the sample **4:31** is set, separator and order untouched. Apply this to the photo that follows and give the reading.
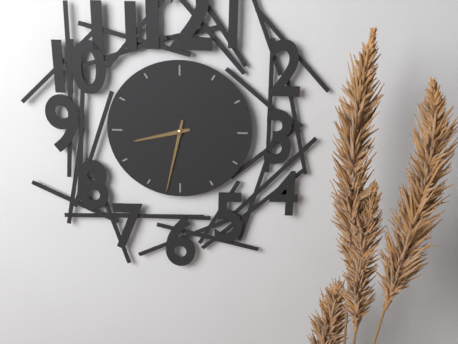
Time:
**8:32**
